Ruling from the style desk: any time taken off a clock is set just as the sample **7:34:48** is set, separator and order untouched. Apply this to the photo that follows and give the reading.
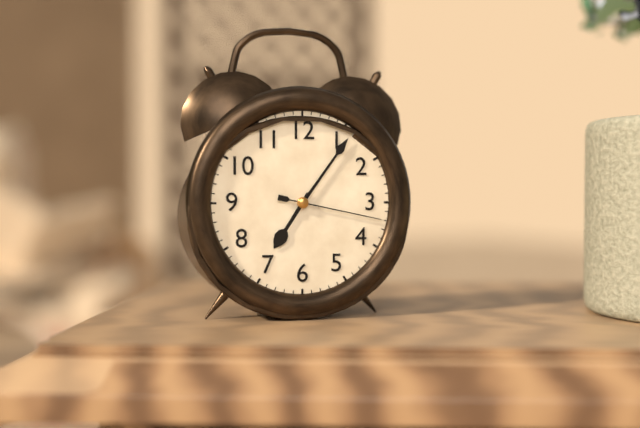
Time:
**7:06:17**
